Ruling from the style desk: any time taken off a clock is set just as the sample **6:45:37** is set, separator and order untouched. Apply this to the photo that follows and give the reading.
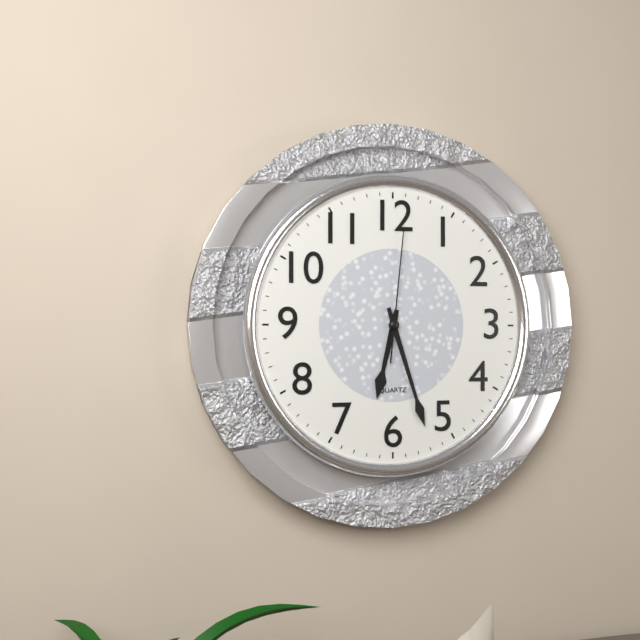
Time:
**6:27:01**
